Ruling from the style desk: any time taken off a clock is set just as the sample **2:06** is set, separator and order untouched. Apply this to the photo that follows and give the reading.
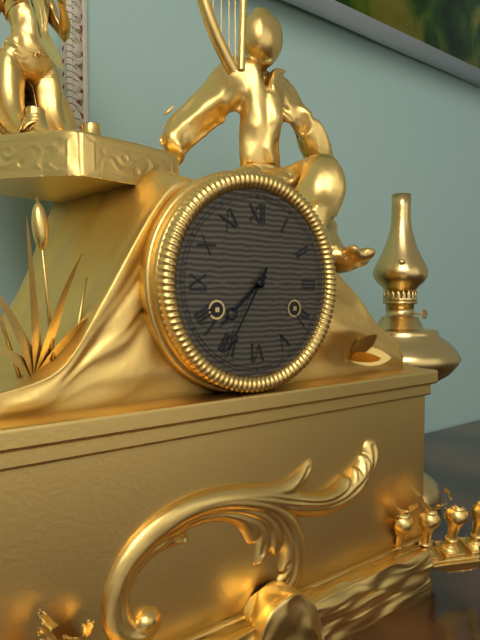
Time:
**7:35**
